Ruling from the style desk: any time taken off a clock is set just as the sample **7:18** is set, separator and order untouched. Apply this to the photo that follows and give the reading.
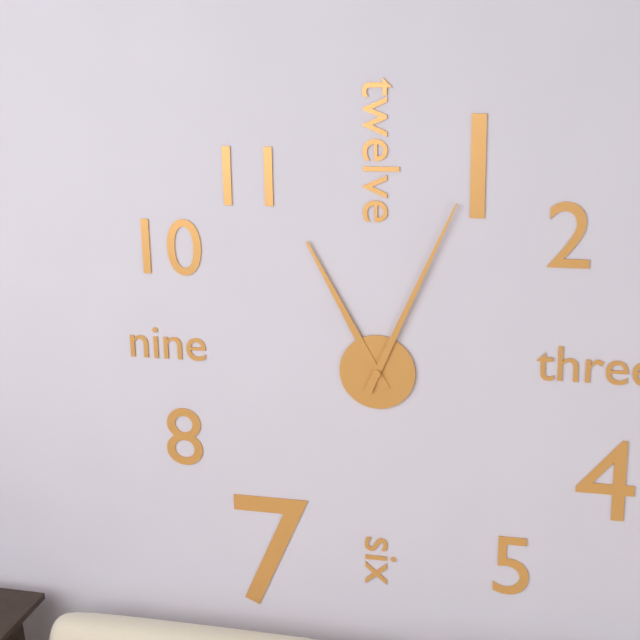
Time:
**11:04**
